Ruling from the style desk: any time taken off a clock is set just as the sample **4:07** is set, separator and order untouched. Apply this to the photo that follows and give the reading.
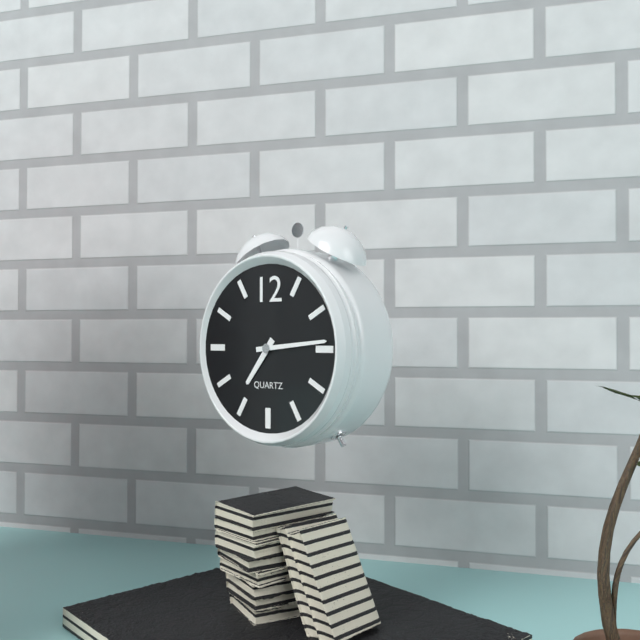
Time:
**7:14**
